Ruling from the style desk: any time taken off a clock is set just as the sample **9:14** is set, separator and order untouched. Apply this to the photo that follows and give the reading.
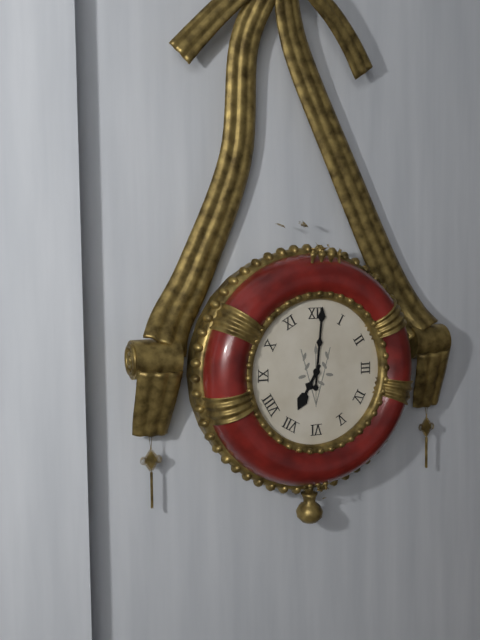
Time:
**7:01**
